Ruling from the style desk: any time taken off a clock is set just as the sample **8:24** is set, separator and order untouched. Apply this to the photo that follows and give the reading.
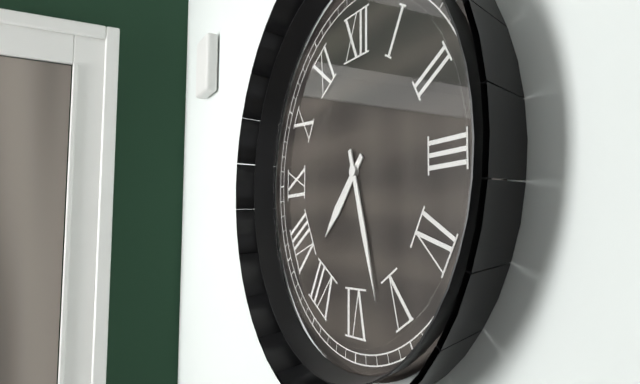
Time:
**7:27**
